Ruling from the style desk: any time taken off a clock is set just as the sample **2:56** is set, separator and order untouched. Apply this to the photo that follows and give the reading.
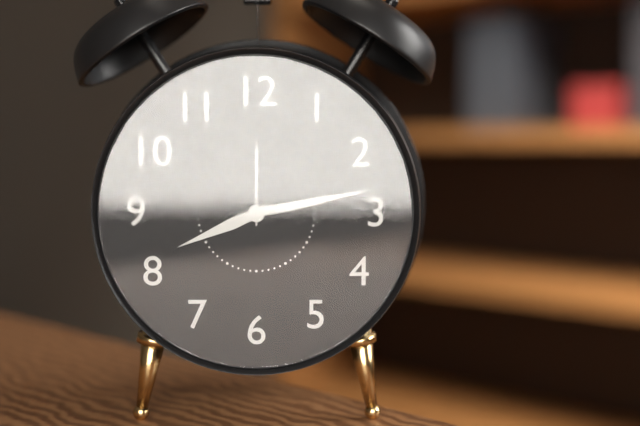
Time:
**8:13**
